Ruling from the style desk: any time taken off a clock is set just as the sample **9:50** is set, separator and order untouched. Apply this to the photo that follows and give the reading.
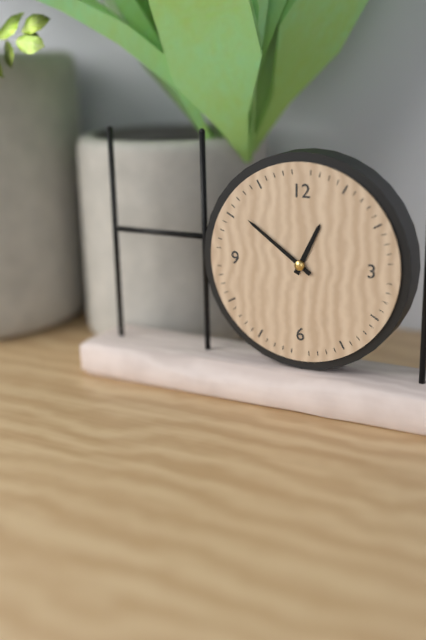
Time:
**12:51**
